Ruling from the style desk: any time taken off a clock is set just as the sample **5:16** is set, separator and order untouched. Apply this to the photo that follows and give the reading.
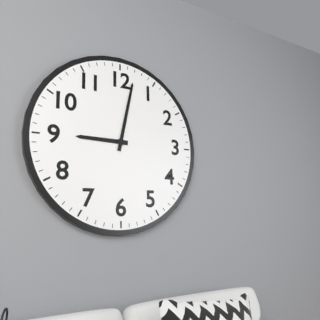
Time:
**9:02**
